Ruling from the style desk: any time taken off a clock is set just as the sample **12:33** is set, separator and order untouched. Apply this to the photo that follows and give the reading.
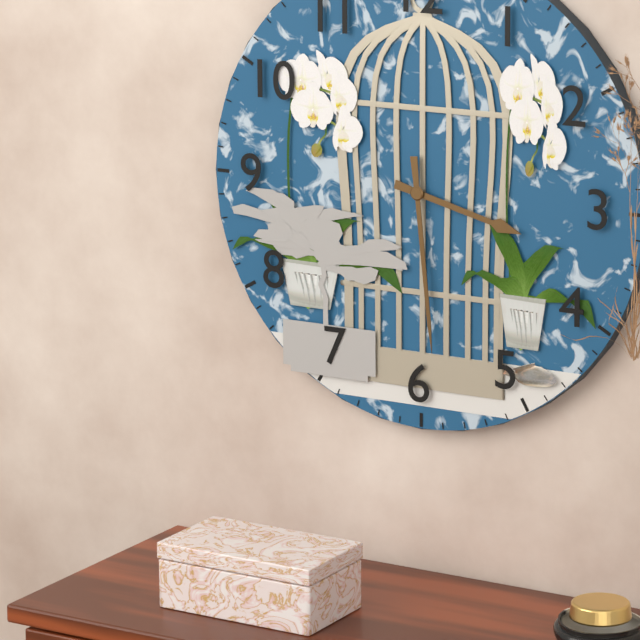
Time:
**3:29**
